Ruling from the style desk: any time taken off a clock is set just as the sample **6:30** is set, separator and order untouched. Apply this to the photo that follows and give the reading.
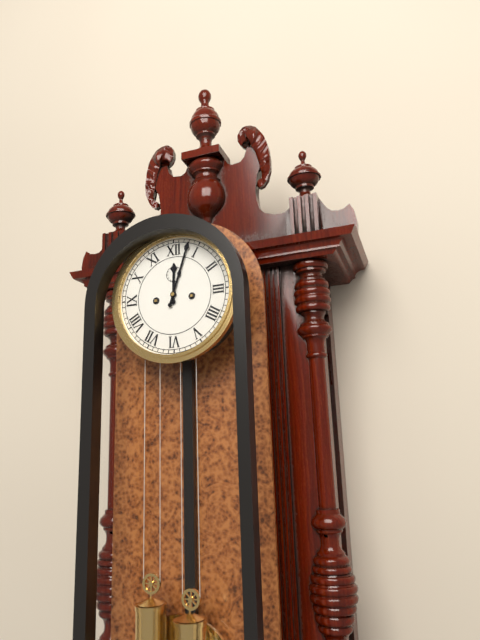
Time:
**12:03**
